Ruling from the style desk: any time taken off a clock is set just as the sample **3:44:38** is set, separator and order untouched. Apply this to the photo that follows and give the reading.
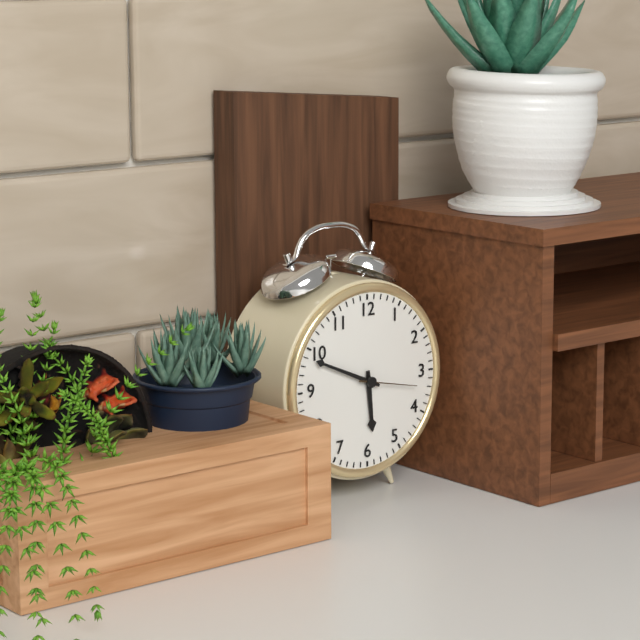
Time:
**5:49:17**
